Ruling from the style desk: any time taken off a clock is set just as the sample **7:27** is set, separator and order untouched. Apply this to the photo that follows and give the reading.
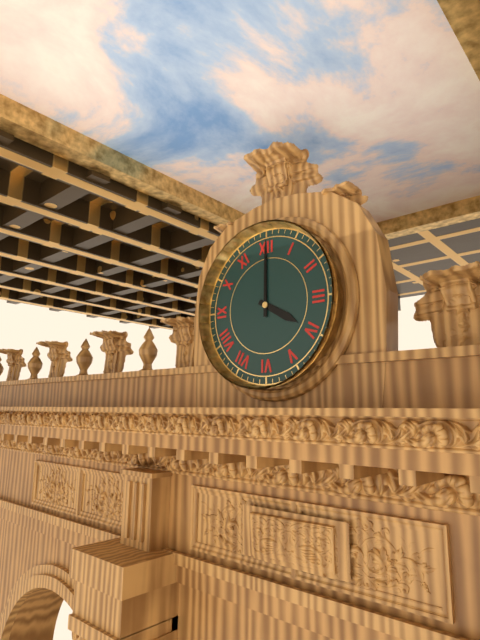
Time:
**4:00**
